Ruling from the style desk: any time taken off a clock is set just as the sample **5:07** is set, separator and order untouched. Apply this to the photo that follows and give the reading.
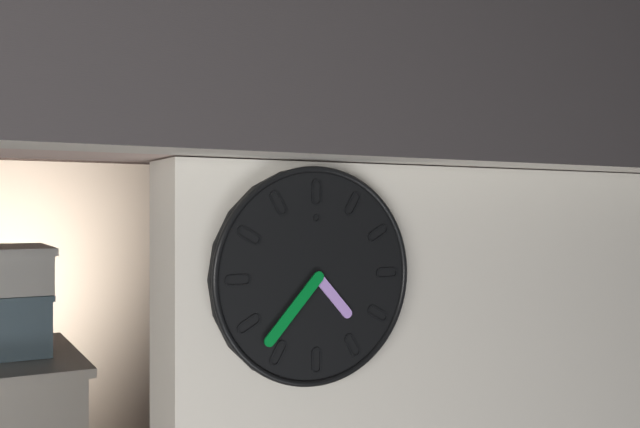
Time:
**4:37**
